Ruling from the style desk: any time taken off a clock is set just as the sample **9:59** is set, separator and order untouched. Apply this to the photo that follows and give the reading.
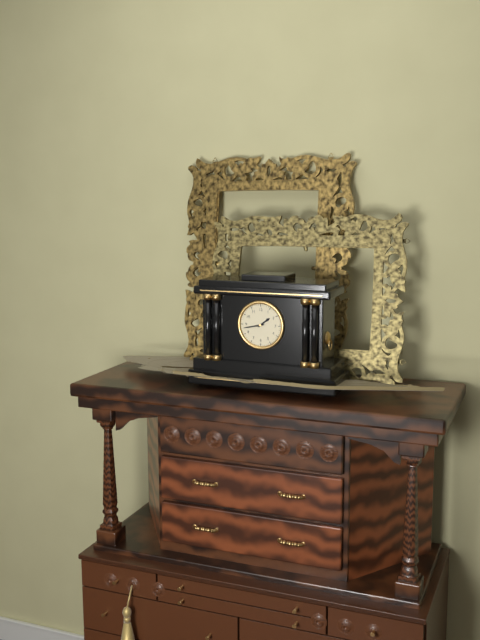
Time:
**1:43**
